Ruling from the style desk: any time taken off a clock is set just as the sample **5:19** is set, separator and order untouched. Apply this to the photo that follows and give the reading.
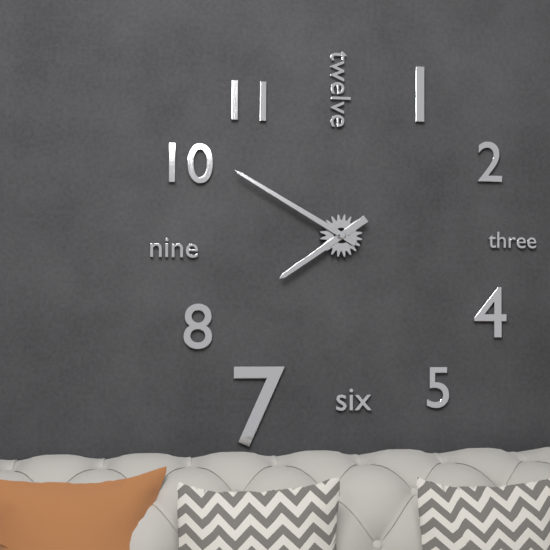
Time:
**7:50**
